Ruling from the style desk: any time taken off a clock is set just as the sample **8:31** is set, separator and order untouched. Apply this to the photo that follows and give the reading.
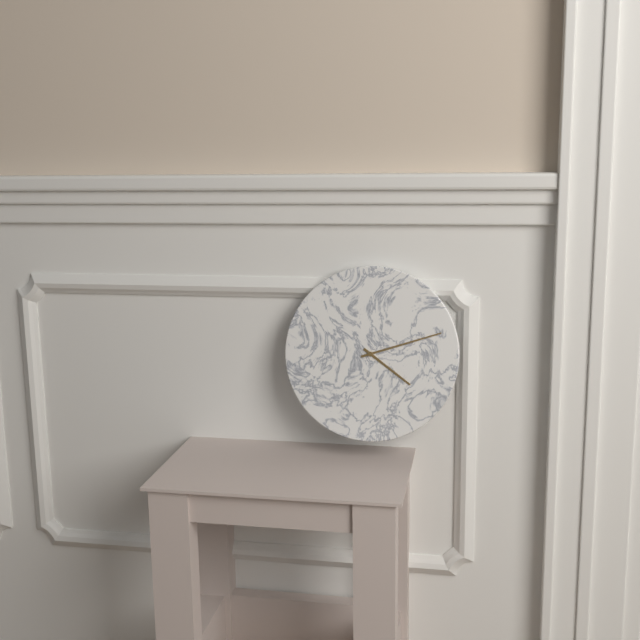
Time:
**4:12**
